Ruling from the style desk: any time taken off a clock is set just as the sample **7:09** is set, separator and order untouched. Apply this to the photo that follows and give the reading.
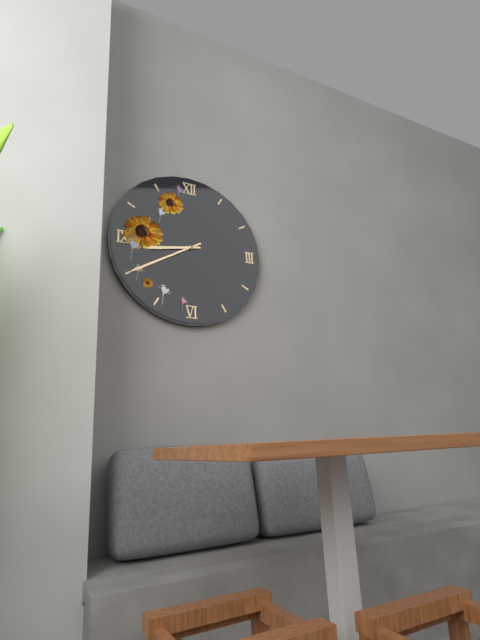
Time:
**8:40**
